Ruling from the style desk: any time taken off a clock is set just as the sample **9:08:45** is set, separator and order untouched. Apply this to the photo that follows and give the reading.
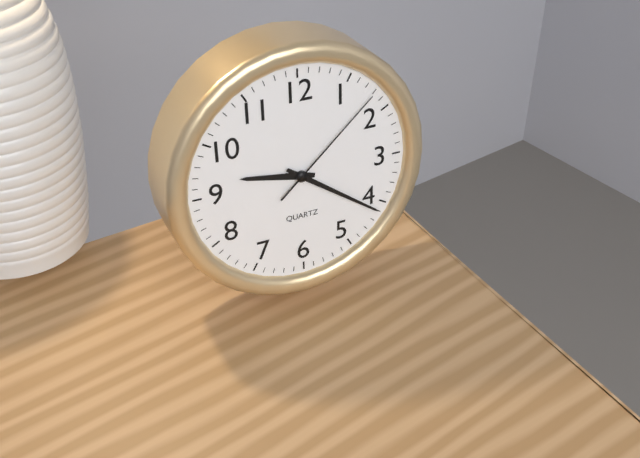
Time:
**9:21:08**
